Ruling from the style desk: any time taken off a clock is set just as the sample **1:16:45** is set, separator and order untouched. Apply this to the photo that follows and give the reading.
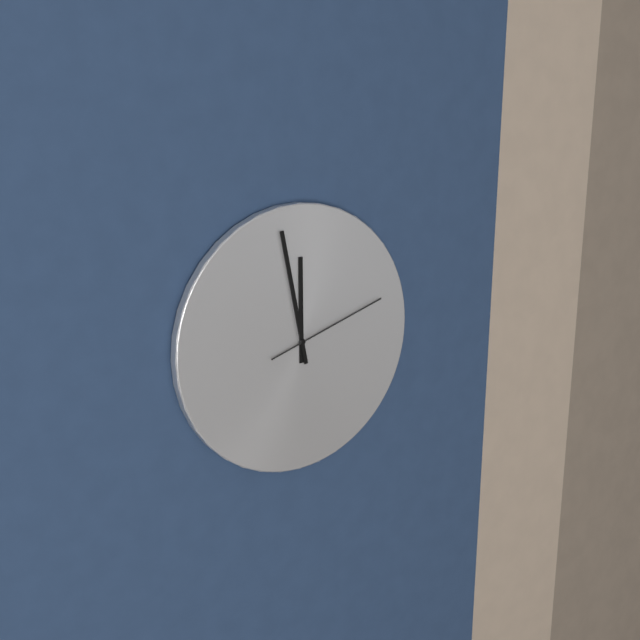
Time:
**11:58:12**
